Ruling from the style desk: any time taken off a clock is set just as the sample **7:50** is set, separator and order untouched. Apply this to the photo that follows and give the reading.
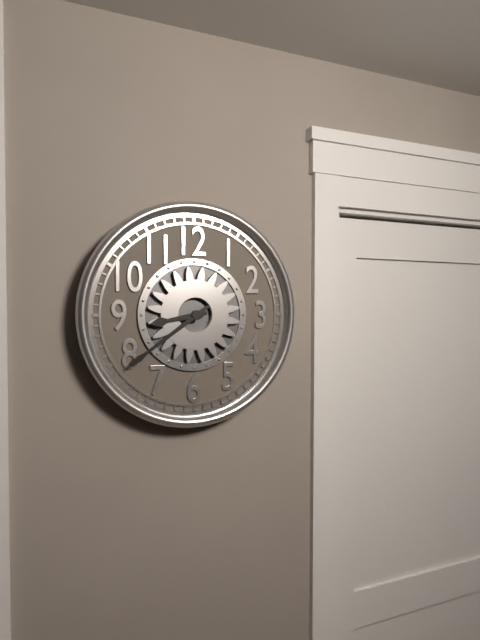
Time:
**8:39**
